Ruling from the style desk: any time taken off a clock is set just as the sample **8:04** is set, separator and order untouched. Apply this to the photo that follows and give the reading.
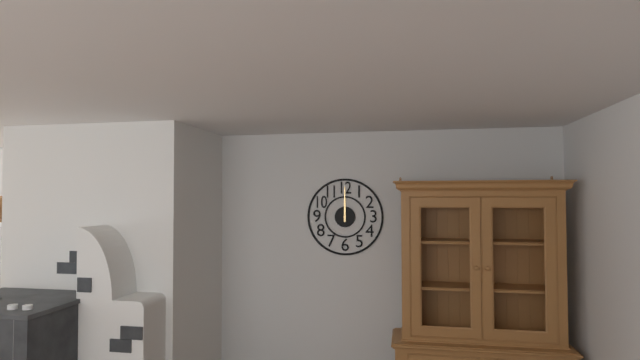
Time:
**12:00**
